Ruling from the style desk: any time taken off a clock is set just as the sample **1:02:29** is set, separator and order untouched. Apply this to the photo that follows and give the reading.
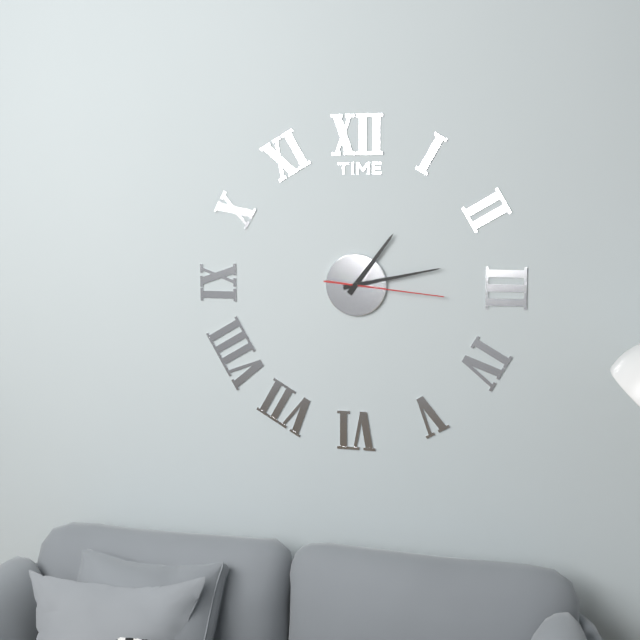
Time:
**1:13:16**
